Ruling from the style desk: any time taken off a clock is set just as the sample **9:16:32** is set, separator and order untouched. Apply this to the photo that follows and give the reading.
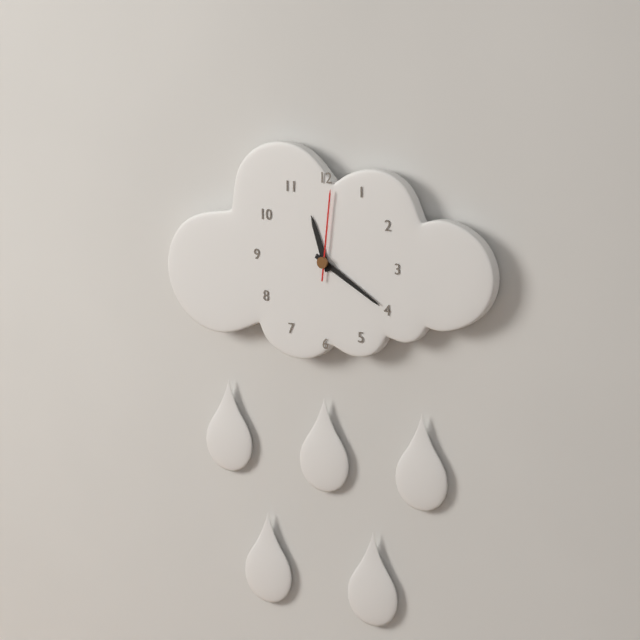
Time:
**11:20:01**
